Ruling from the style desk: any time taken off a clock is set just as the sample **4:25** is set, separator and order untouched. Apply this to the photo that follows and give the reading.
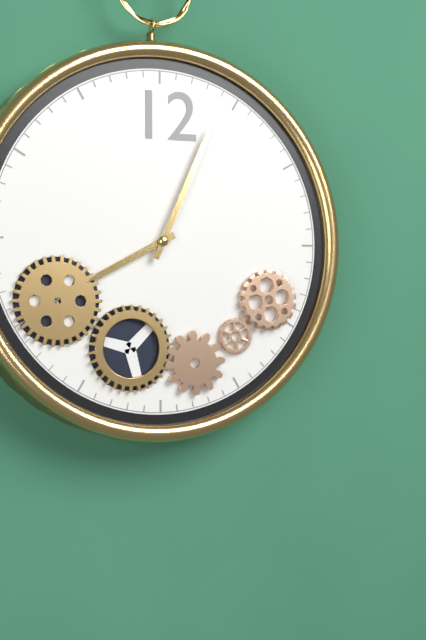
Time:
**8:04**
